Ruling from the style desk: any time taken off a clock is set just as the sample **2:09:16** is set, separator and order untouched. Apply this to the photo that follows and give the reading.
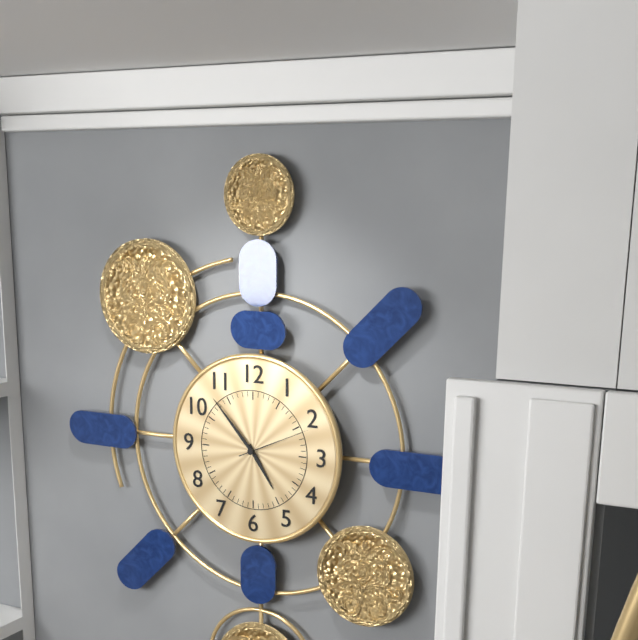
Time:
**4:53:11**
